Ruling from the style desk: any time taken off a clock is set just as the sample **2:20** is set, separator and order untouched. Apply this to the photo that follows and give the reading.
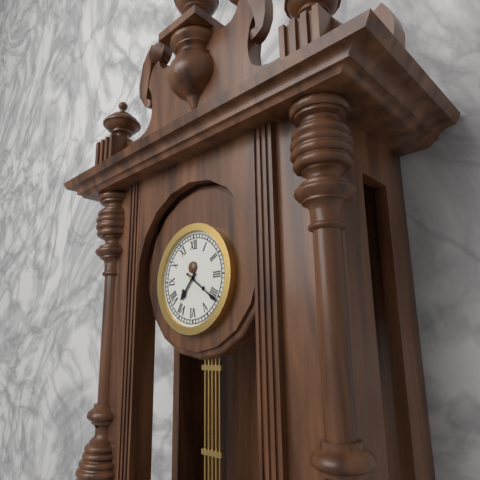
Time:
**7:21**
